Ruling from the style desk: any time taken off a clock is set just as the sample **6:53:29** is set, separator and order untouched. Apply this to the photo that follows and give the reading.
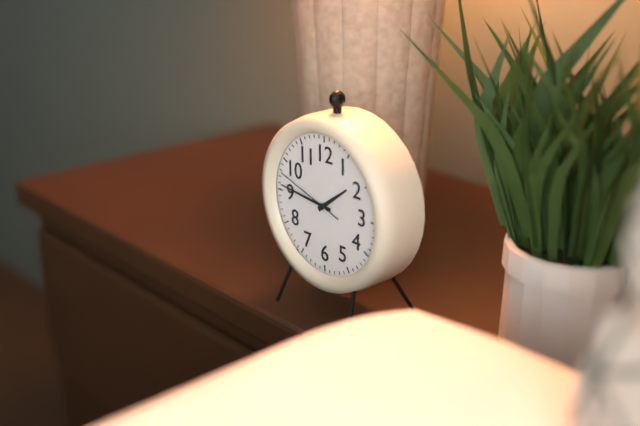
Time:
**1:46:48**
